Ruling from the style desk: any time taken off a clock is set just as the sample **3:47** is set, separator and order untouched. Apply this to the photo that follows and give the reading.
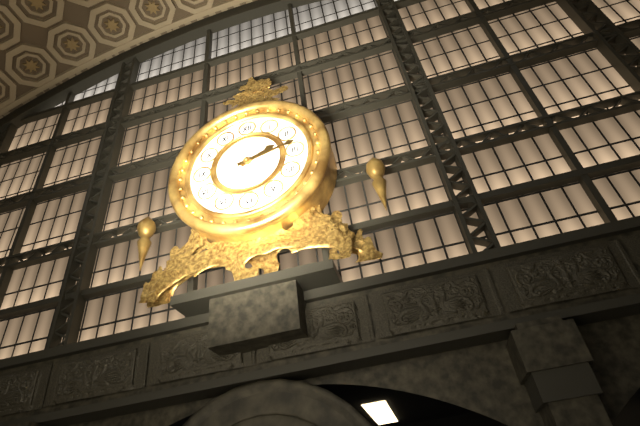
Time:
**2:13**
